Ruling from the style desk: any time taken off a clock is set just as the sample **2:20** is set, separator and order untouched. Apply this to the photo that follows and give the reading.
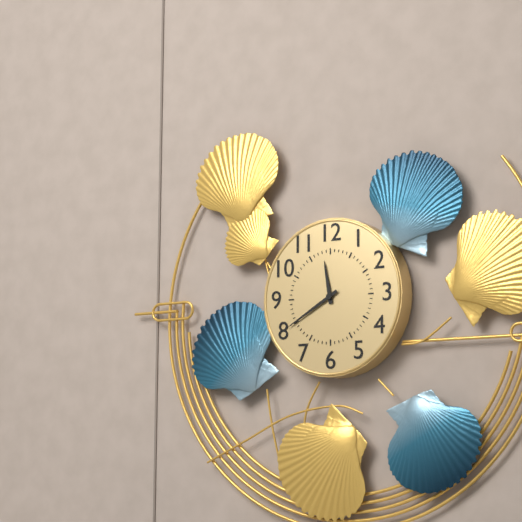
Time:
**11:40**
